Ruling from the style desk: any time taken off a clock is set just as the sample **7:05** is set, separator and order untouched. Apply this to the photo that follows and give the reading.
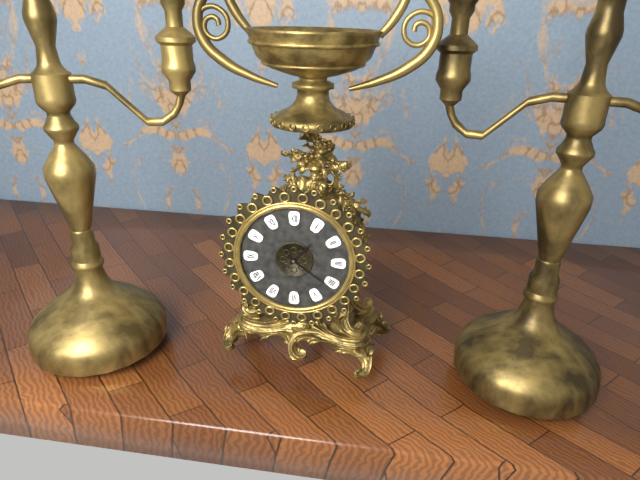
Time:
**1:21**
